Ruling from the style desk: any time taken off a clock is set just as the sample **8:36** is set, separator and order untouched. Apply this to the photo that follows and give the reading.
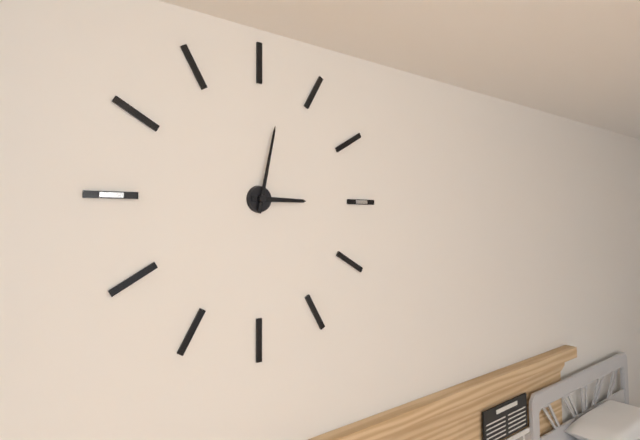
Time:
**3:02**
